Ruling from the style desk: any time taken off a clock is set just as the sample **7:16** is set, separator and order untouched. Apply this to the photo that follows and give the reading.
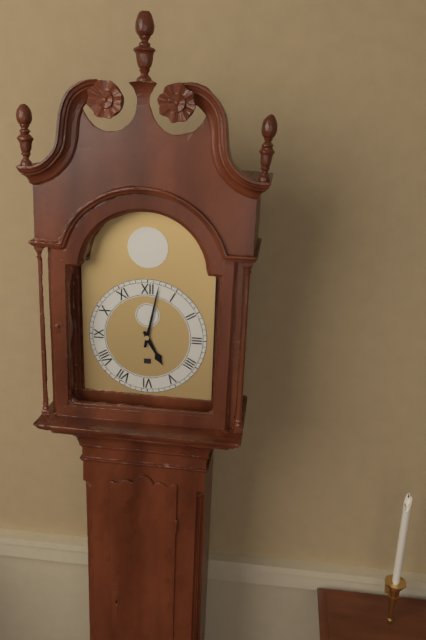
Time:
**5:02**
